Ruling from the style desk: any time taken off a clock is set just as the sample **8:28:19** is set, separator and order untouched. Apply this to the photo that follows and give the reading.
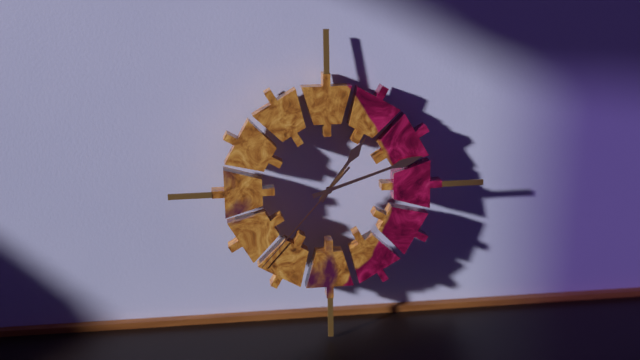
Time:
**1:12:37**
